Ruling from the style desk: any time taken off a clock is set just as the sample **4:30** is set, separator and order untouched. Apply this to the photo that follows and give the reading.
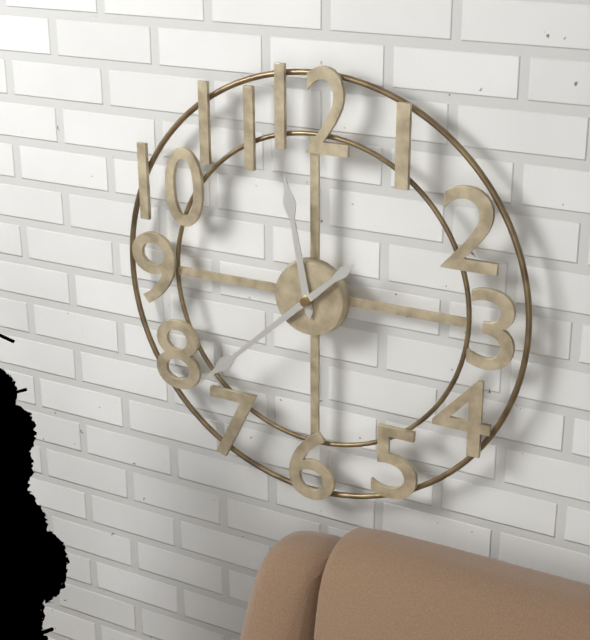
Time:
**11:38**
